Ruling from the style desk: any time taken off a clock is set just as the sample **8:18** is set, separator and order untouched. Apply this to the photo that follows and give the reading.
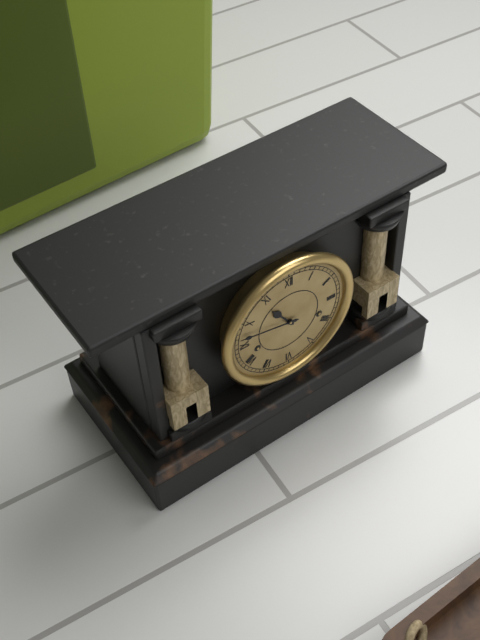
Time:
**10:47**
